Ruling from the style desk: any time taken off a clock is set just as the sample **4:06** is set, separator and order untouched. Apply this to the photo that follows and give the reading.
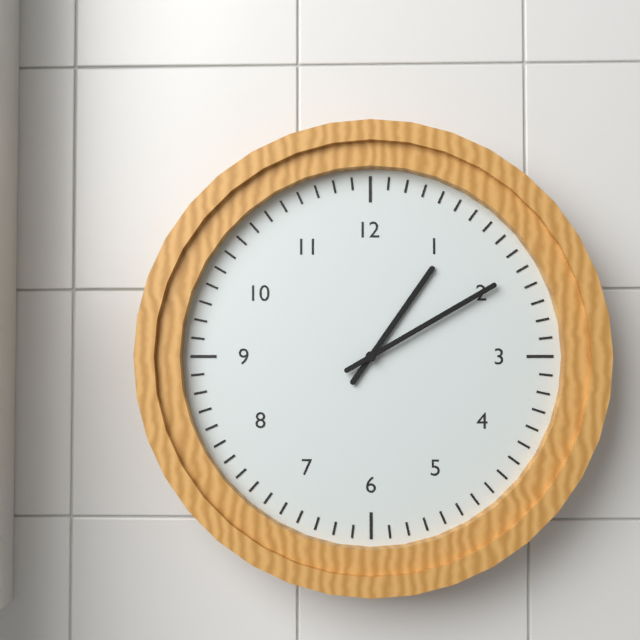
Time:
**1:10**
